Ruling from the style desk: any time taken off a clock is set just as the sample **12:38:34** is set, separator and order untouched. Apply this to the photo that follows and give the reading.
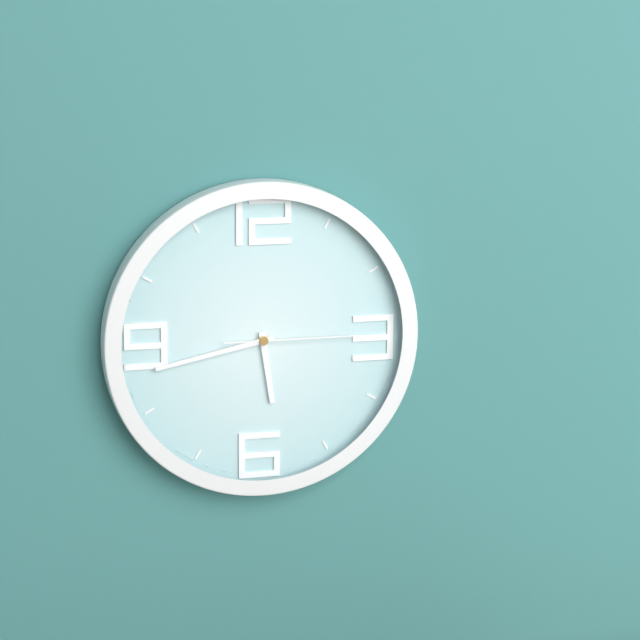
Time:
**5:43:15**
